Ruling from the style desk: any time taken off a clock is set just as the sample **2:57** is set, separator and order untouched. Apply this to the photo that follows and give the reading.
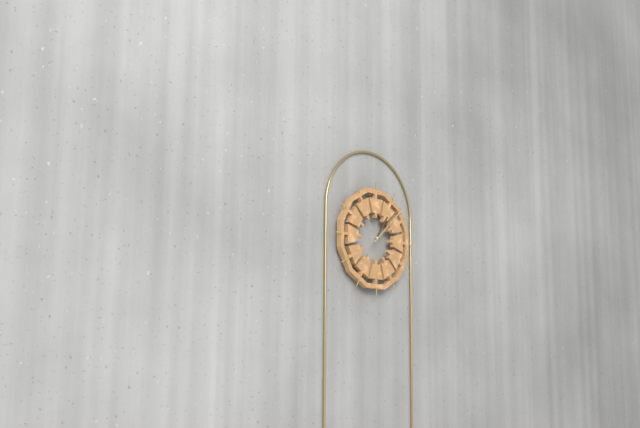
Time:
**1:08**
